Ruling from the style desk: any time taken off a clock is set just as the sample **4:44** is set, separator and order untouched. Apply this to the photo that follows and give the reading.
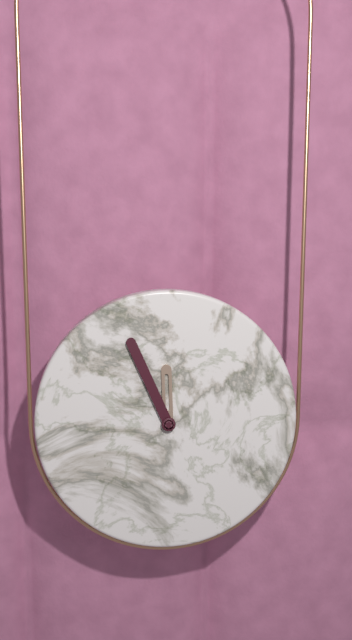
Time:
**11:56**
